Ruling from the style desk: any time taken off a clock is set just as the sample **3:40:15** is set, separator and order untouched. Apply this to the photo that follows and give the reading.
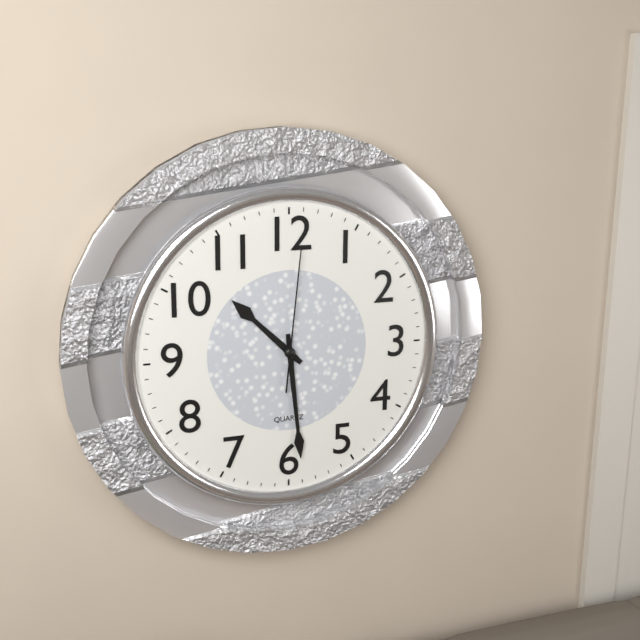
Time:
**10:29:01**
